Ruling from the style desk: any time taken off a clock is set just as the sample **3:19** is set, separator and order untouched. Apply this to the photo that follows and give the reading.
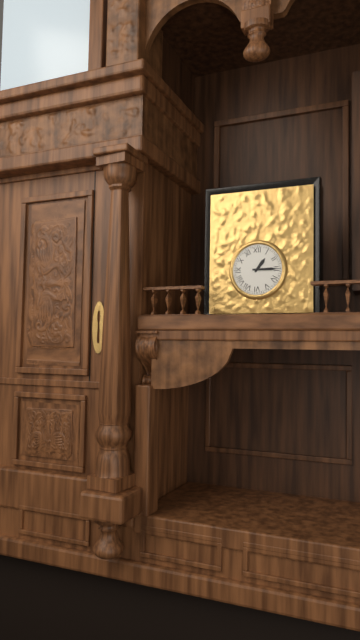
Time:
**1:15**
